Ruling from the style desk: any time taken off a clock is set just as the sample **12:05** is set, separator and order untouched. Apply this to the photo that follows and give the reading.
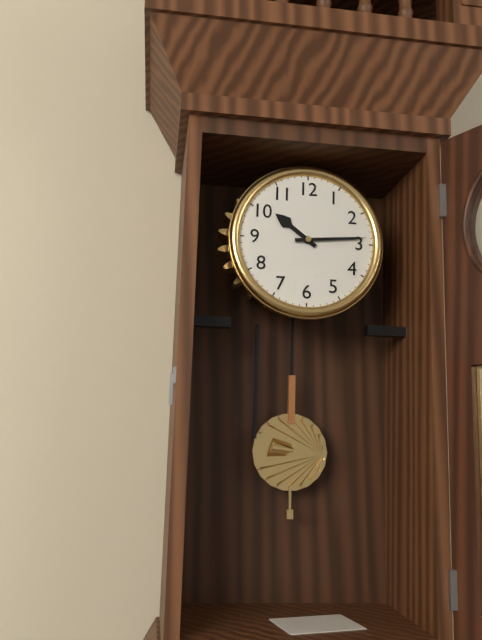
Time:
**10:14**
